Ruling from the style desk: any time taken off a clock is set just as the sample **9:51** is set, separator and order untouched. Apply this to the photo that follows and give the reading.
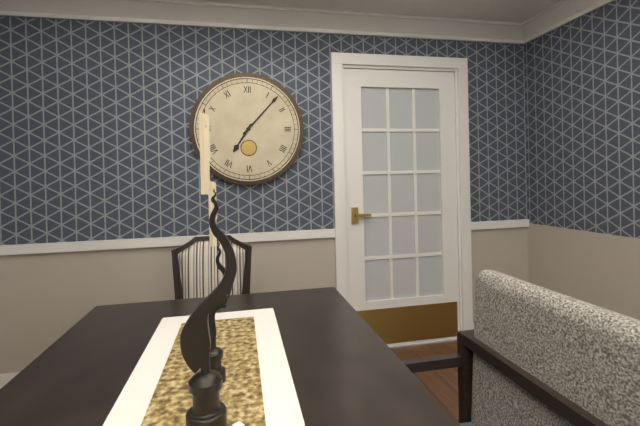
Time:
**7:07**
